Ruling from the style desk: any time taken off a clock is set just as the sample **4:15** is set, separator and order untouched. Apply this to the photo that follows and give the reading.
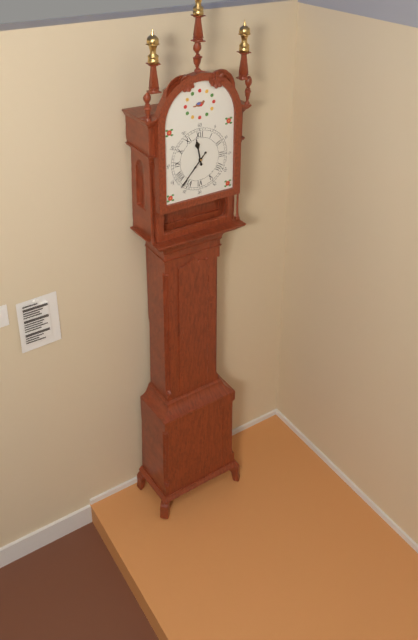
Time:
**11:37**
